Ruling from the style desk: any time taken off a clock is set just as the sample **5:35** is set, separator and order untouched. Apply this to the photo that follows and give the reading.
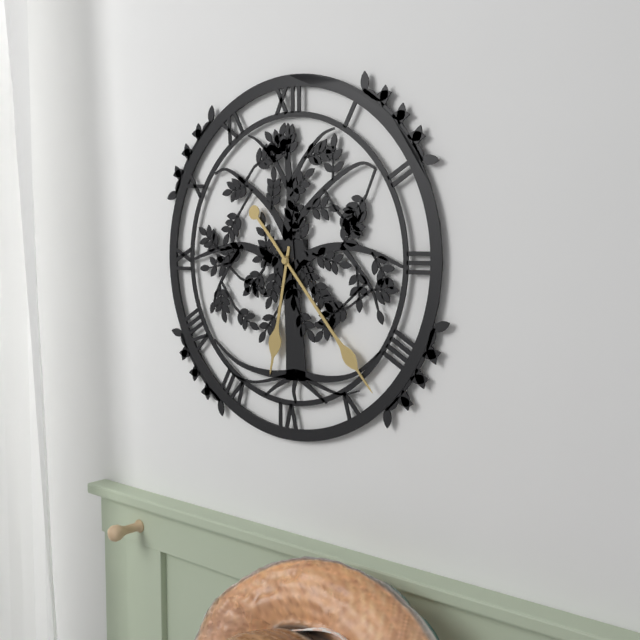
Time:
**6:23**
